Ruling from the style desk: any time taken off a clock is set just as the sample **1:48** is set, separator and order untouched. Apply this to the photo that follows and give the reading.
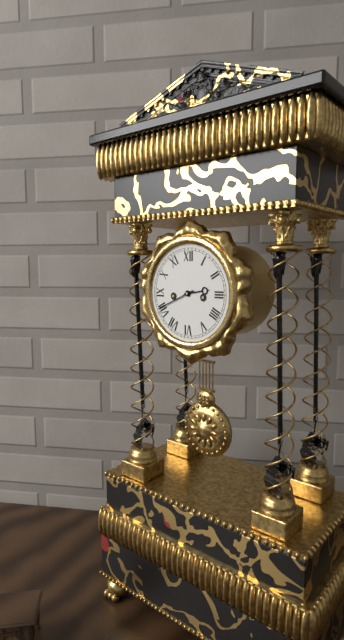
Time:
**2:41**
